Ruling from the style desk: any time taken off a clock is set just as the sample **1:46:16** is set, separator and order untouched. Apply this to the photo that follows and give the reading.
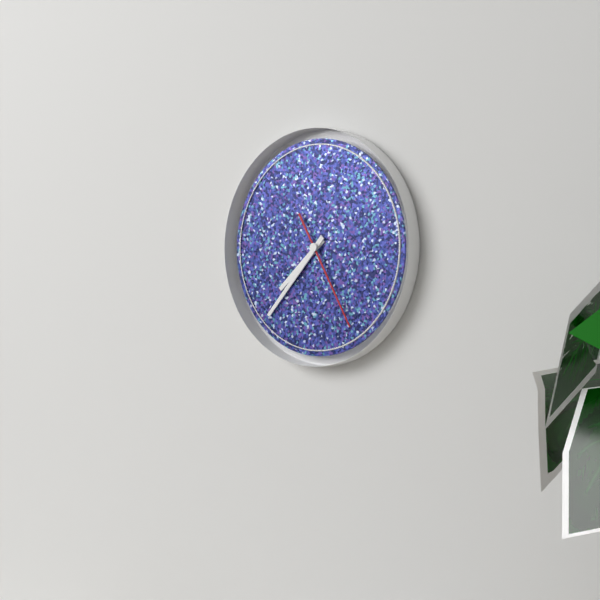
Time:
**7:37:25**
